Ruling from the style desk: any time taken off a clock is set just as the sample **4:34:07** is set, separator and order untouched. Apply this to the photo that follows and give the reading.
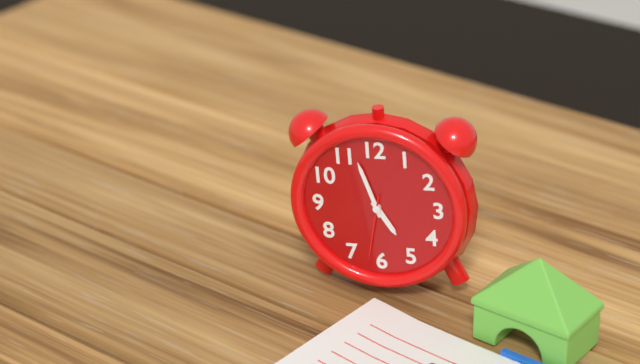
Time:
**4:57:32**
